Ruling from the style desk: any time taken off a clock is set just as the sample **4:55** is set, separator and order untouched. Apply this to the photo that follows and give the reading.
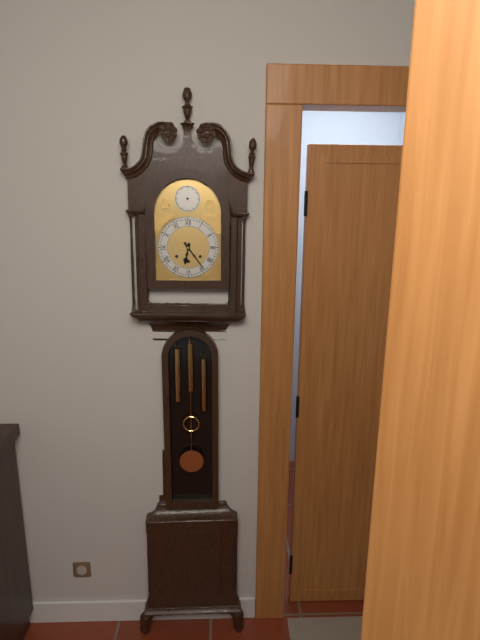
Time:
**6:24**
